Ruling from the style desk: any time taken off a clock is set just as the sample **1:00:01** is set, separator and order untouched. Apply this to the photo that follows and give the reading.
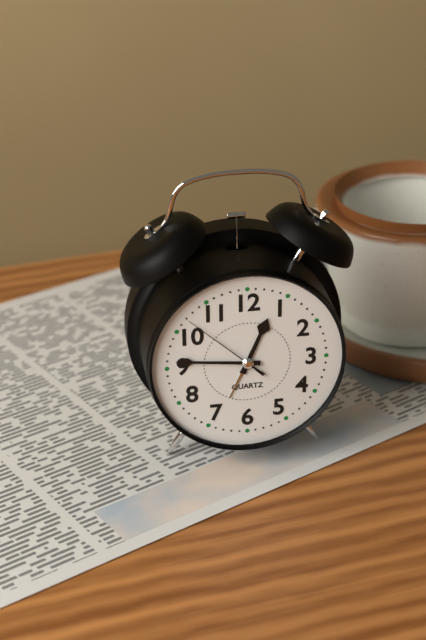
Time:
**12:46:52**
